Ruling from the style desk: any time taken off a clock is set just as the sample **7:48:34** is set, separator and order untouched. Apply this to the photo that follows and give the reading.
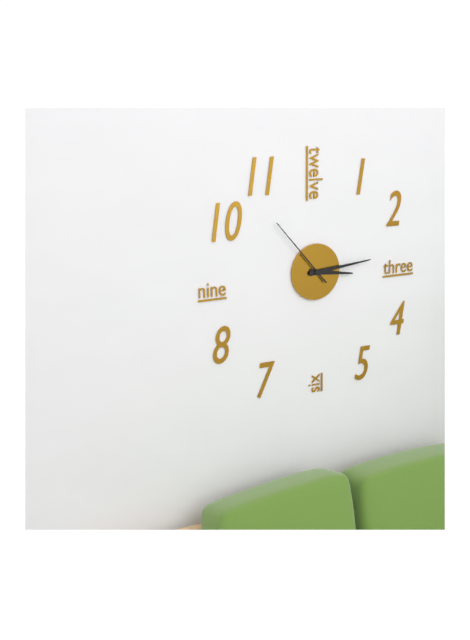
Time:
**3:14:53**
